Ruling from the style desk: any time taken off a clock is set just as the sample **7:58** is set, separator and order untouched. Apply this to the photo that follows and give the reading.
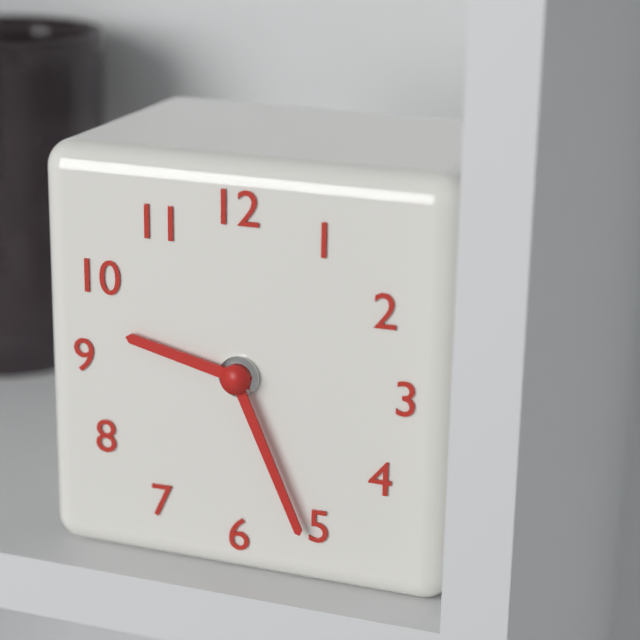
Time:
**9:26**
